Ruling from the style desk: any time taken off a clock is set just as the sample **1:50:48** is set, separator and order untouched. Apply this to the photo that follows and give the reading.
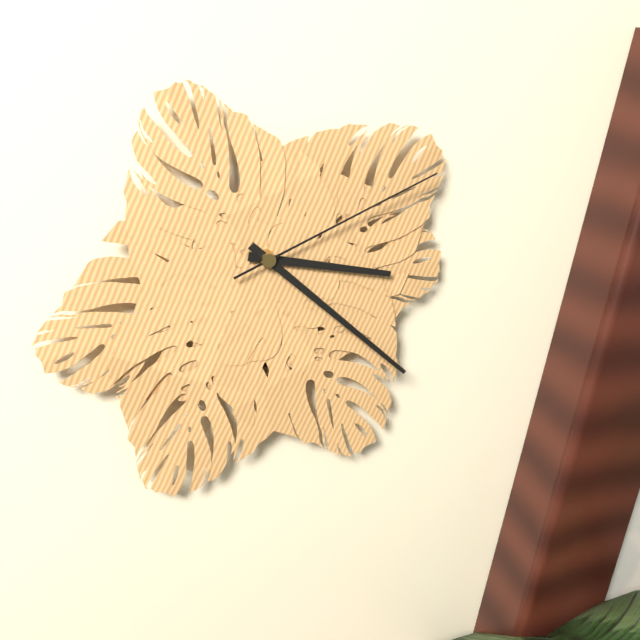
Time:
**3:22:11**
